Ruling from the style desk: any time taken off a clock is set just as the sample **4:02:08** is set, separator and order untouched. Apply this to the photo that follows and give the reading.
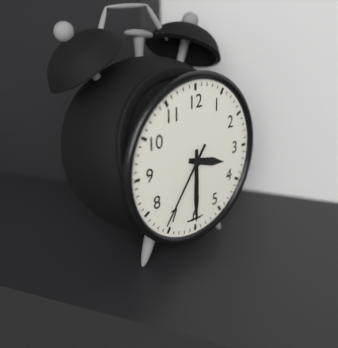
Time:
**3:30:36**
